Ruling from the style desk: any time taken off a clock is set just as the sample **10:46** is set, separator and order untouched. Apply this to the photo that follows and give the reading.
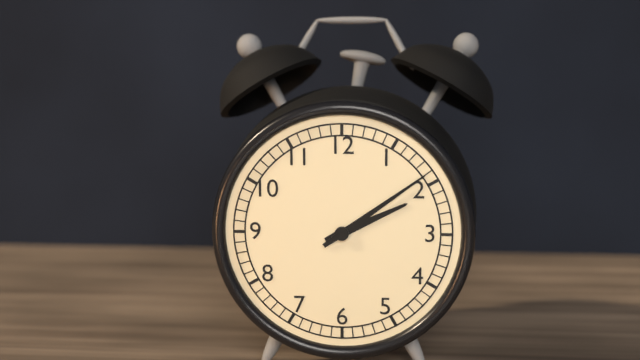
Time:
**2:09**
